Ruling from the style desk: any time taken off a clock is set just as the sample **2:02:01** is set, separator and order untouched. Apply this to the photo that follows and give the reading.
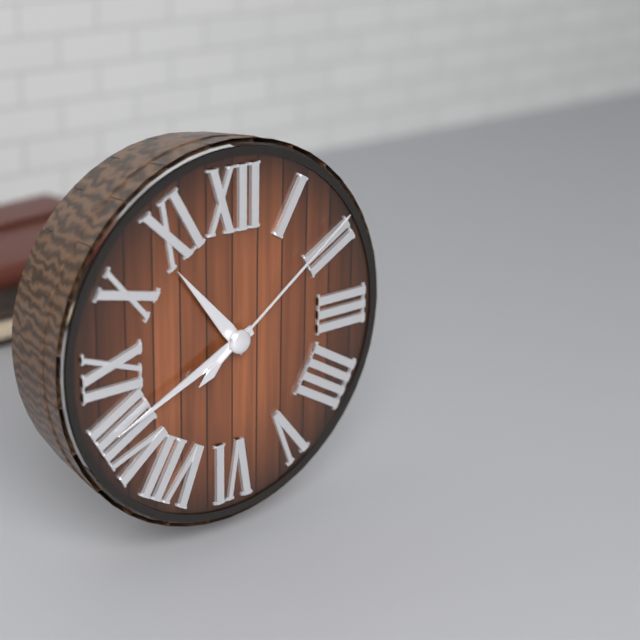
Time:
**10:41:09**
